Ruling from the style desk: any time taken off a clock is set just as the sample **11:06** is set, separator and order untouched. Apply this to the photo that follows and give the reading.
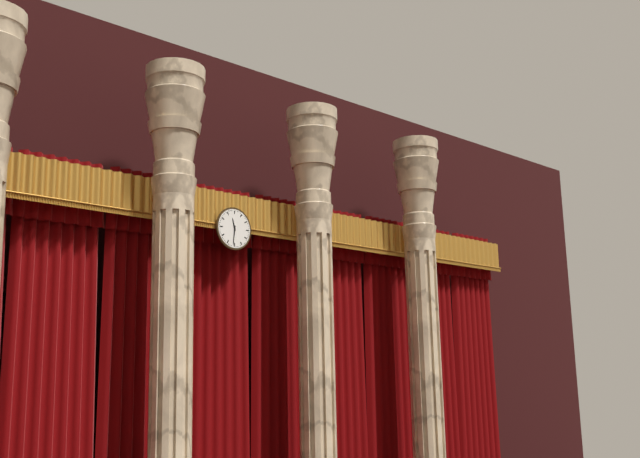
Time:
**11:31**
